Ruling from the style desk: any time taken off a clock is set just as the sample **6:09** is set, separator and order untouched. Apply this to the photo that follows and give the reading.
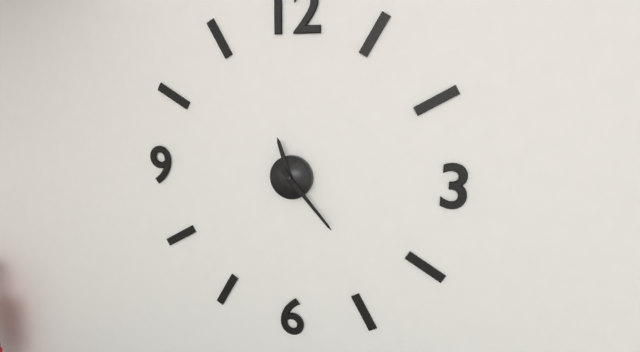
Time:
**11:23**
